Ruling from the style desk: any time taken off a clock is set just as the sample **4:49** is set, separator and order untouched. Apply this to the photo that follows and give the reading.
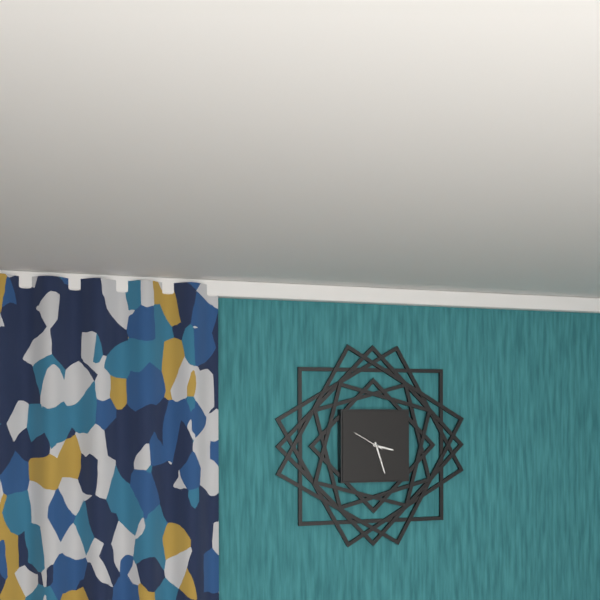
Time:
**3:27**
